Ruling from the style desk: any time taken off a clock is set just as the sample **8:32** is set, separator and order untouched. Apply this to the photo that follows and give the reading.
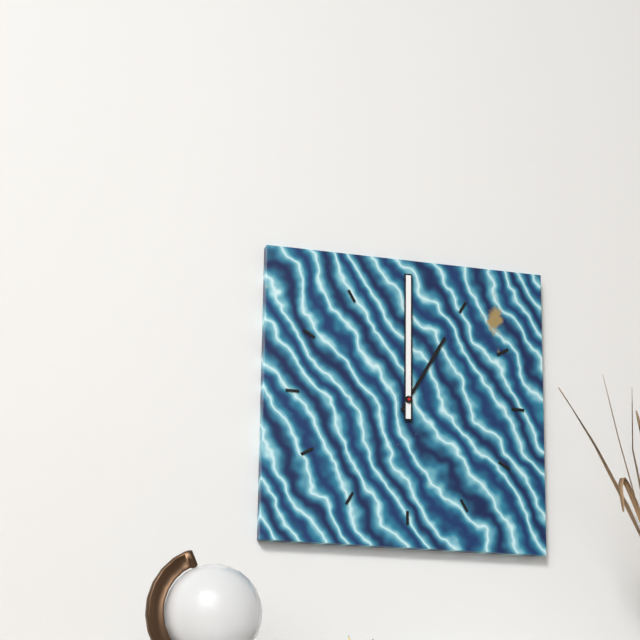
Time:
**1:00**
